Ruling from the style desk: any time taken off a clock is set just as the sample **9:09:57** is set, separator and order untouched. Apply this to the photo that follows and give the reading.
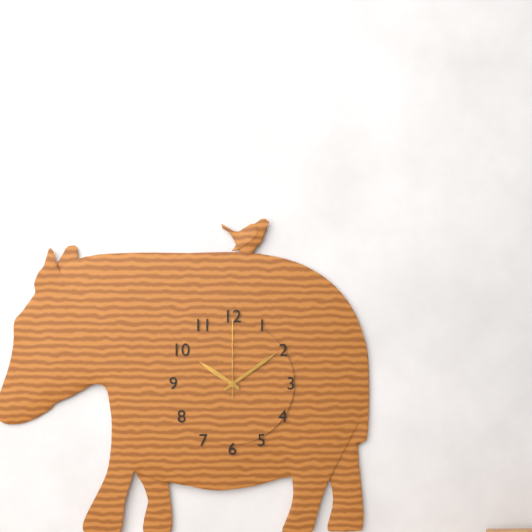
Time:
**10:09:00**
